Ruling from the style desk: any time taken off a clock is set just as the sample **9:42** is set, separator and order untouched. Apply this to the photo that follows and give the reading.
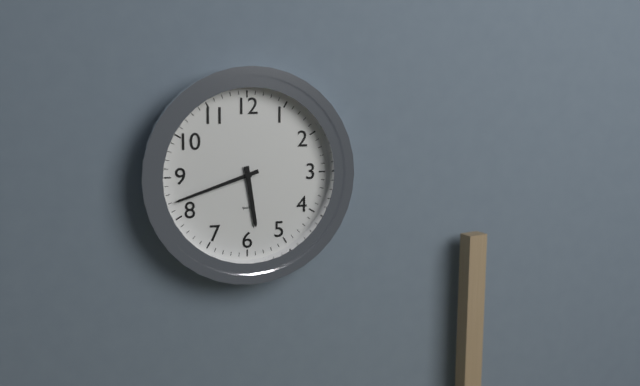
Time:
**5:42**
